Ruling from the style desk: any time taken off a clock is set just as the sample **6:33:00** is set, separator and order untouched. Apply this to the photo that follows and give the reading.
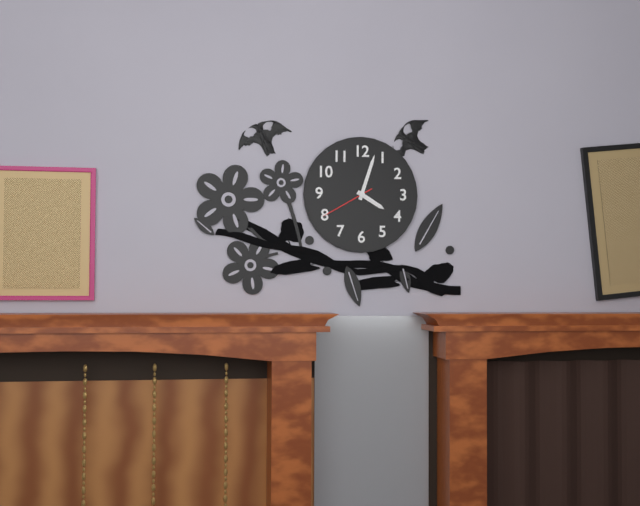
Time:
**4:03:40**
